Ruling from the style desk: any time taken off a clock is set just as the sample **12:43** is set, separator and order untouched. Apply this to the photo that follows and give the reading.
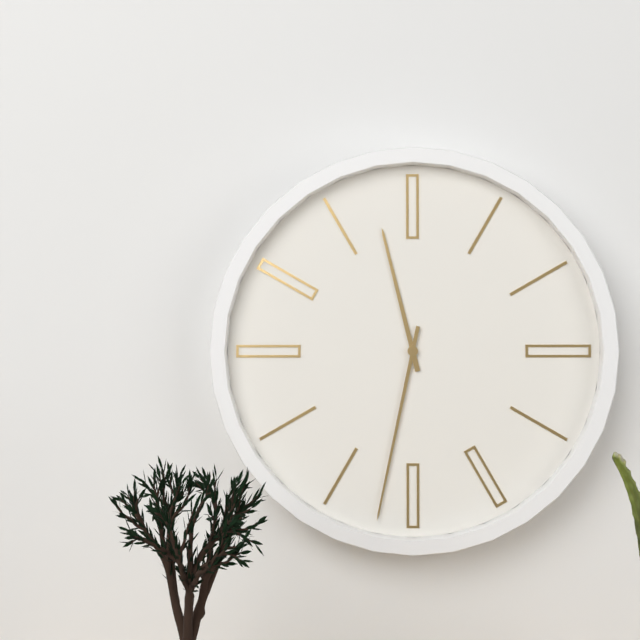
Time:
**11:32**
